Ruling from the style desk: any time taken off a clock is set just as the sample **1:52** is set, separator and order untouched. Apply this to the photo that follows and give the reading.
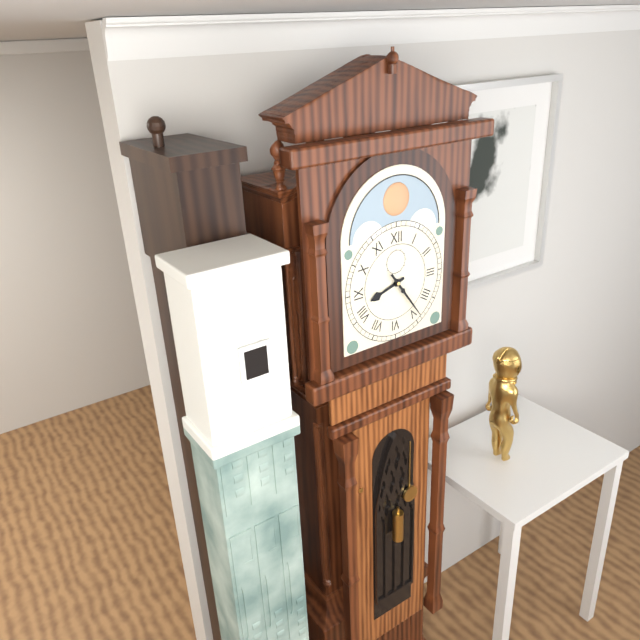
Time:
**8:24**
